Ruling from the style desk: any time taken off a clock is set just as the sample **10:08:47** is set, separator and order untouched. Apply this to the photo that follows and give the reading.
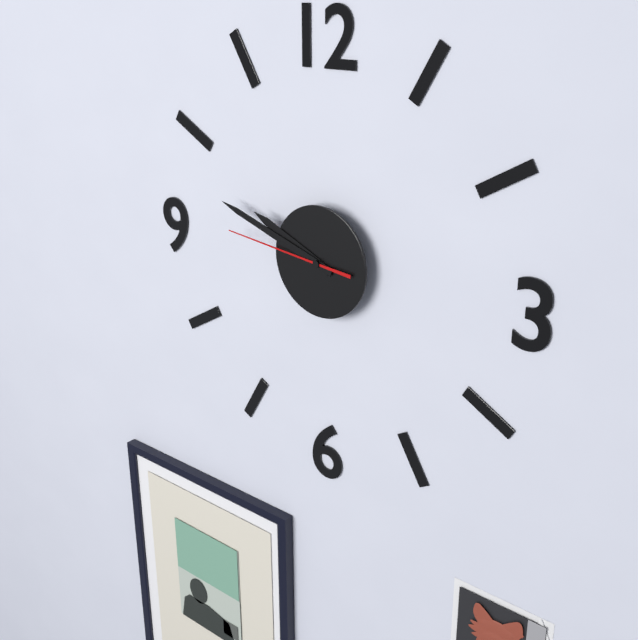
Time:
**9:48:46**
